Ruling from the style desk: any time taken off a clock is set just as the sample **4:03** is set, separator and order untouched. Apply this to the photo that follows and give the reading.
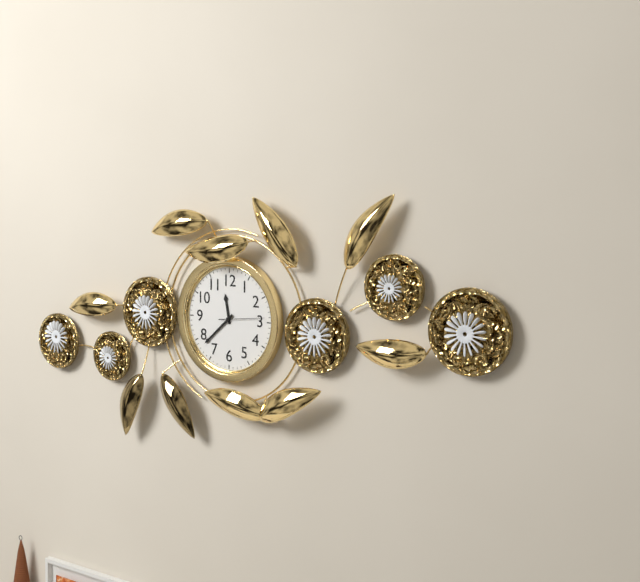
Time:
**11:38**
